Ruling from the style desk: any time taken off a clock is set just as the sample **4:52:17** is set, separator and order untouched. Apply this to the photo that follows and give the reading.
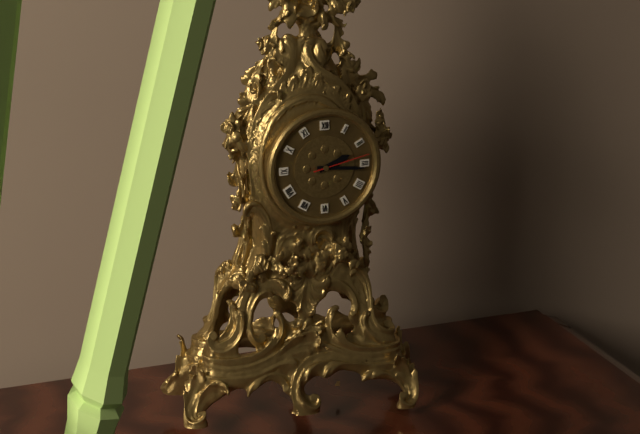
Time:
**2:16:13**
